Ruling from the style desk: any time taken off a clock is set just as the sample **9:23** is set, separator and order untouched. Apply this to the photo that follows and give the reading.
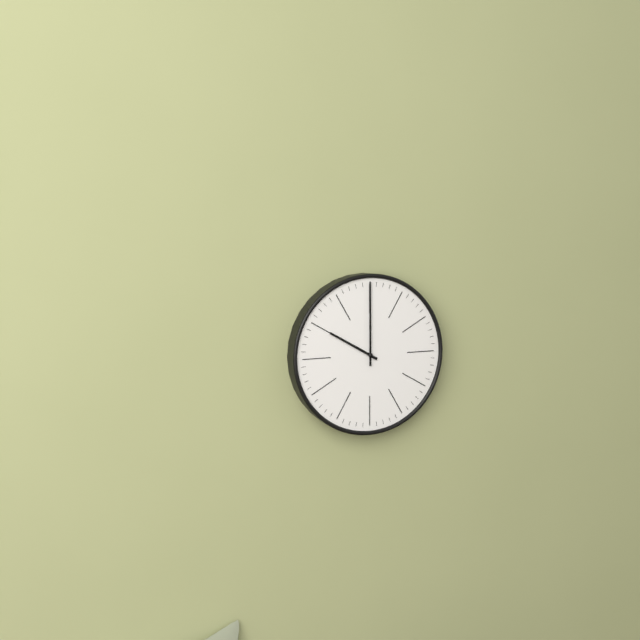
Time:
**10:00**
